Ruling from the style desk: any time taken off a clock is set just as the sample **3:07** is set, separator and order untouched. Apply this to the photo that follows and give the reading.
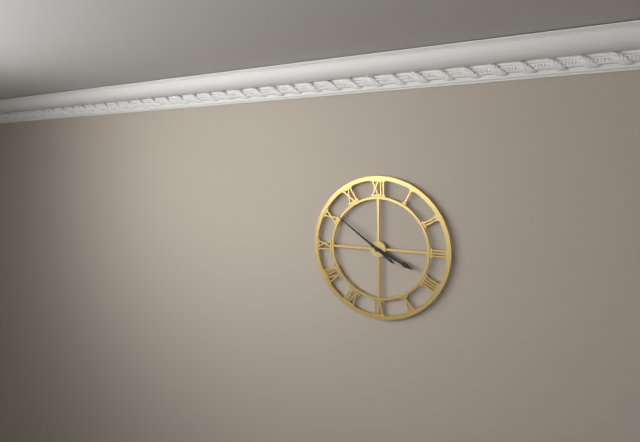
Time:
**3:51**
